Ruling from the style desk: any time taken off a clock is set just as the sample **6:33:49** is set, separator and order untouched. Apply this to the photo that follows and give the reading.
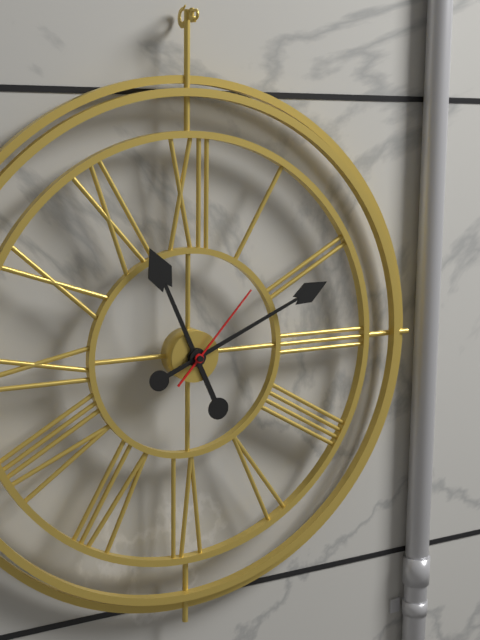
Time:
**11:11:07**
